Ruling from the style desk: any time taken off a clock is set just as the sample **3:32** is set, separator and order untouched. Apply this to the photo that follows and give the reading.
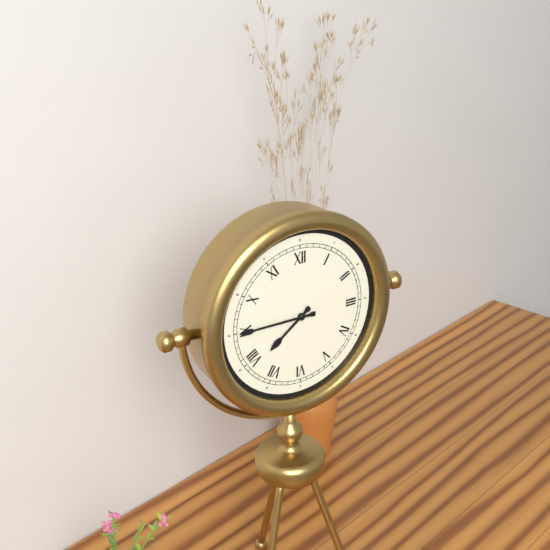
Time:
**7:45**
